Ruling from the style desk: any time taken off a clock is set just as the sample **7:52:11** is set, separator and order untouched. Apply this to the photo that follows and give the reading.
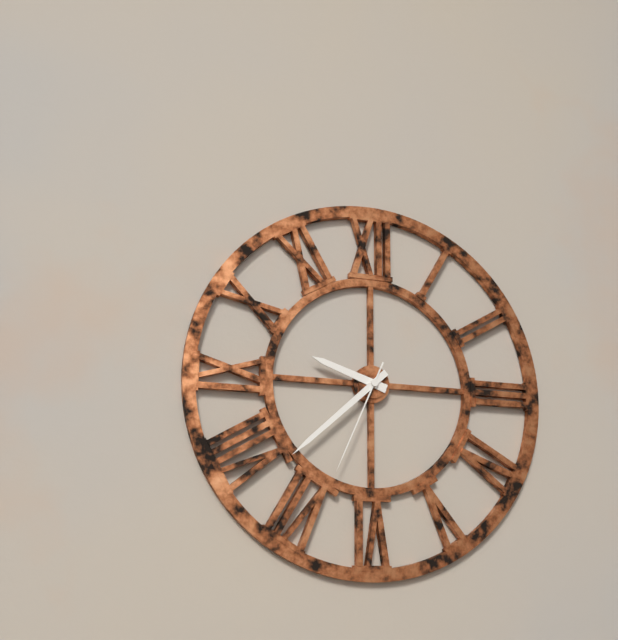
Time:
**9:38:34**
